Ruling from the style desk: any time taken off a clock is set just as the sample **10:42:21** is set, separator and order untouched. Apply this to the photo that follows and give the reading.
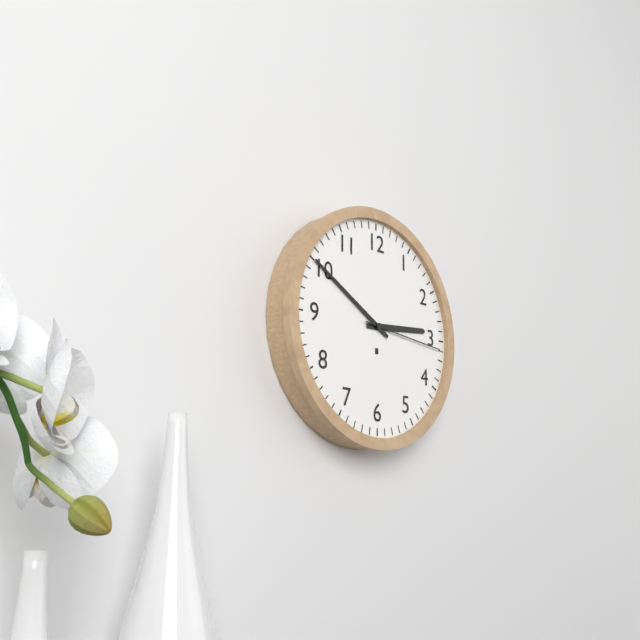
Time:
**2:50:16**
